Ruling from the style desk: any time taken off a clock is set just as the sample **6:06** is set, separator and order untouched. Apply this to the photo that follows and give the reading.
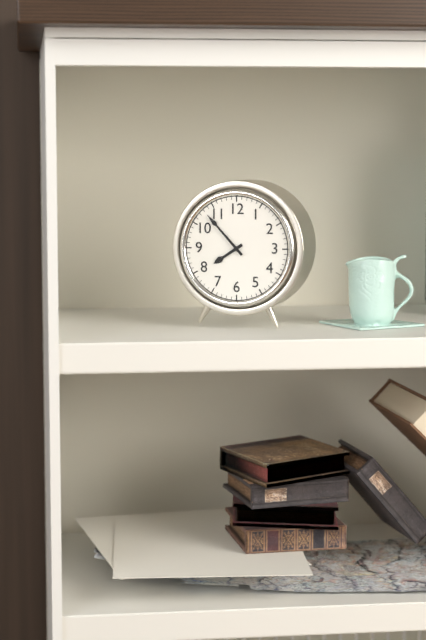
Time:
**7:53**
